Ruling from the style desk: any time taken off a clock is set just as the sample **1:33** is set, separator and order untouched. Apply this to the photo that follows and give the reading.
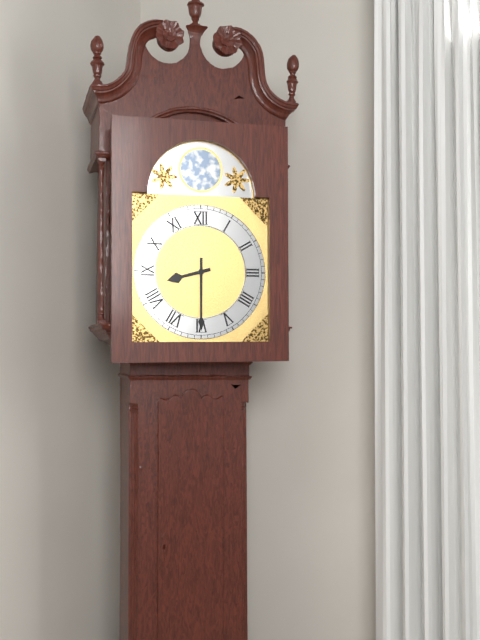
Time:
**8:30**
